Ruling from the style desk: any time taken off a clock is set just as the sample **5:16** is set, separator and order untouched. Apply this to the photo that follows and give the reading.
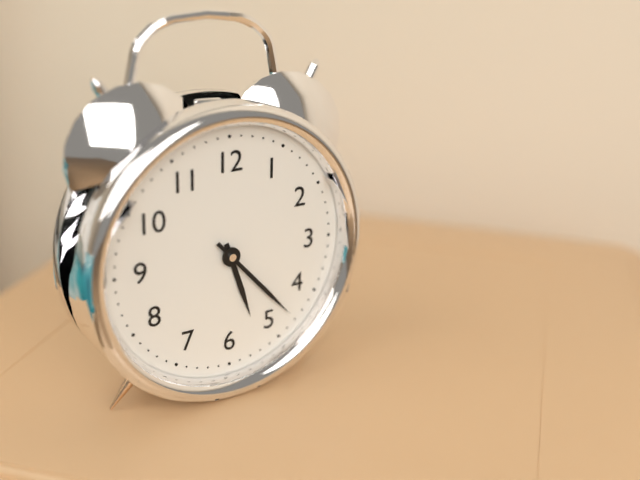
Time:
**5:23**
